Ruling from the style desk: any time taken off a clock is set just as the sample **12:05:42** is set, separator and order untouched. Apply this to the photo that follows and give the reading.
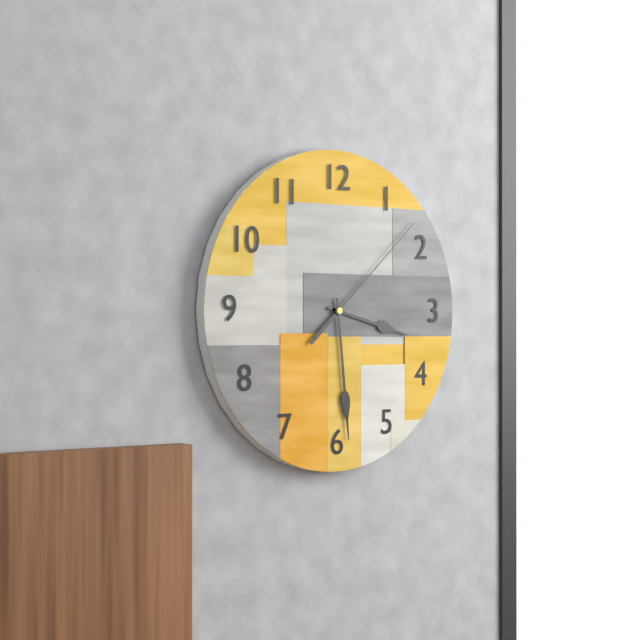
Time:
**3:29:08**
